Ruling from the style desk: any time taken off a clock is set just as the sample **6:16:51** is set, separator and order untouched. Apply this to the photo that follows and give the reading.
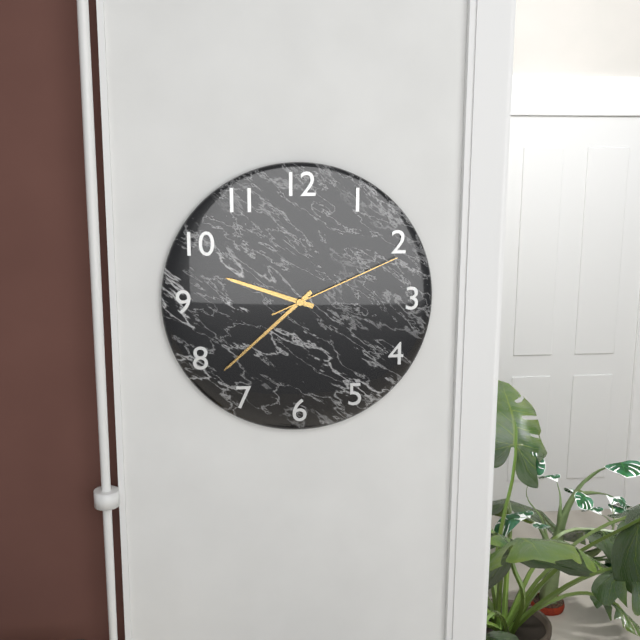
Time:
**9:38:11**
